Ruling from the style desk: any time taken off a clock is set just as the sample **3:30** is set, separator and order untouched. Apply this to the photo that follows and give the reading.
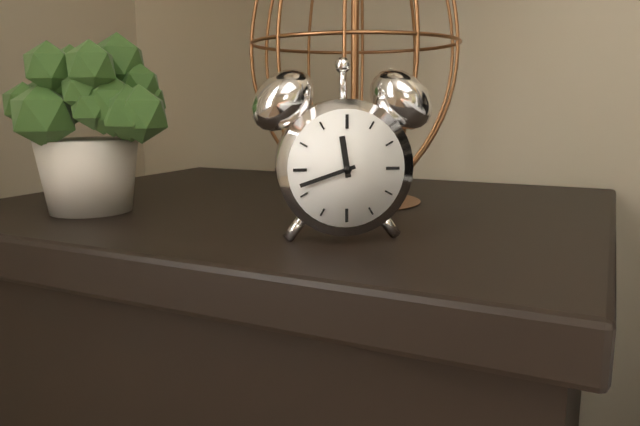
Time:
**11:42**
